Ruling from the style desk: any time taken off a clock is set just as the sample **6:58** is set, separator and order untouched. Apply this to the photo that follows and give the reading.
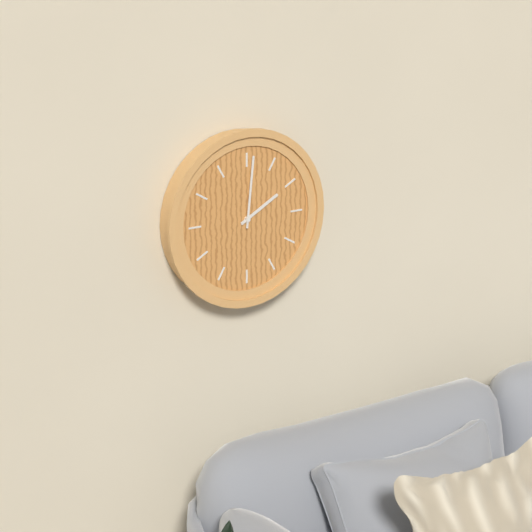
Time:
**2:01**
